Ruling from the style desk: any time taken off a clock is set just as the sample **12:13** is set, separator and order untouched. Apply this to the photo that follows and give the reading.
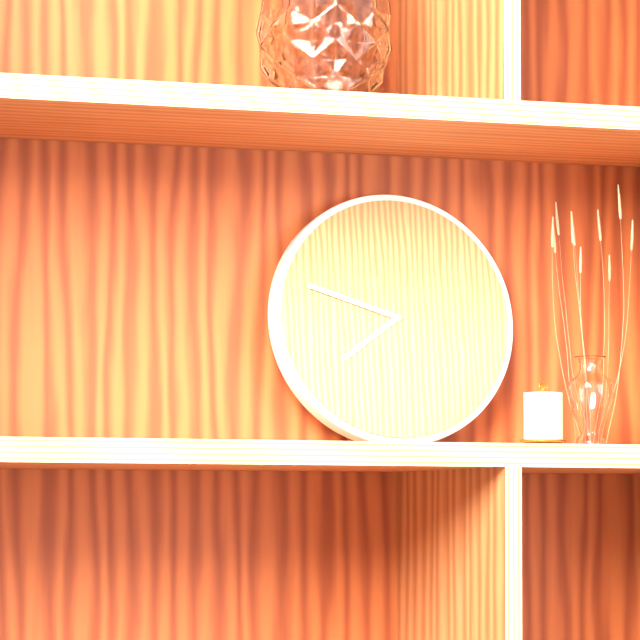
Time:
**7:48**
